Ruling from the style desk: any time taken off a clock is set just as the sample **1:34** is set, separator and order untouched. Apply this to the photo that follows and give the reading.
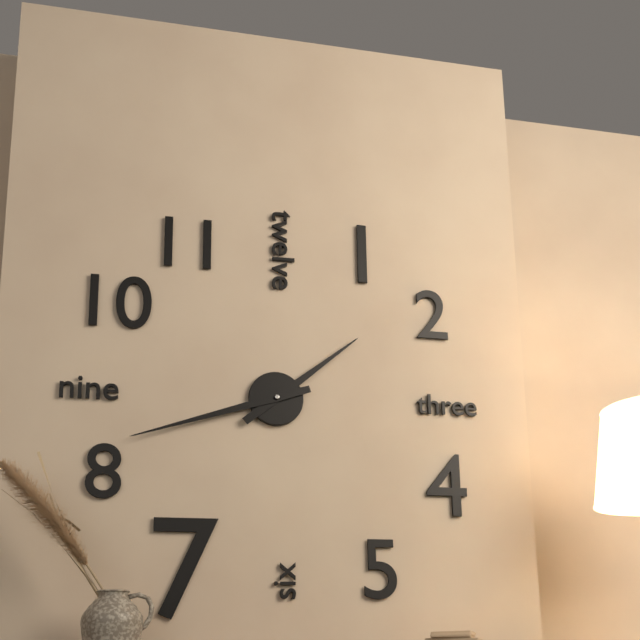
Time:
**1:42**
